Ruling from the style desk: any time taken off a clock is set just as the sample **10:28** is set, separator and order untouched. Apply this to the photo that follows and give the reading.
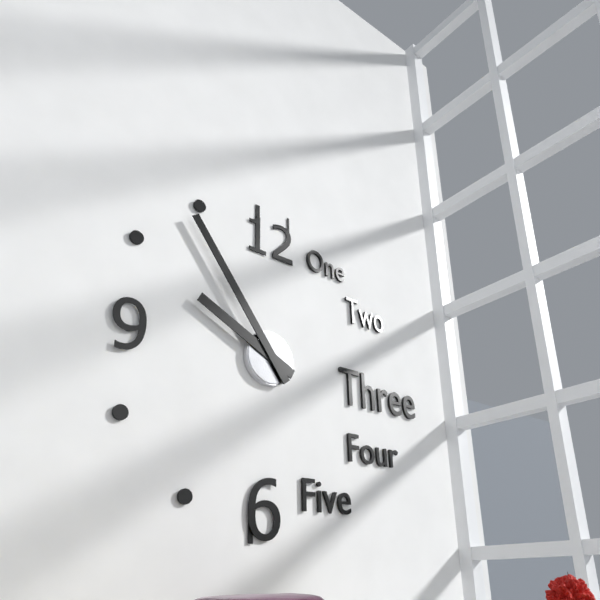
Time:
**9:54**
